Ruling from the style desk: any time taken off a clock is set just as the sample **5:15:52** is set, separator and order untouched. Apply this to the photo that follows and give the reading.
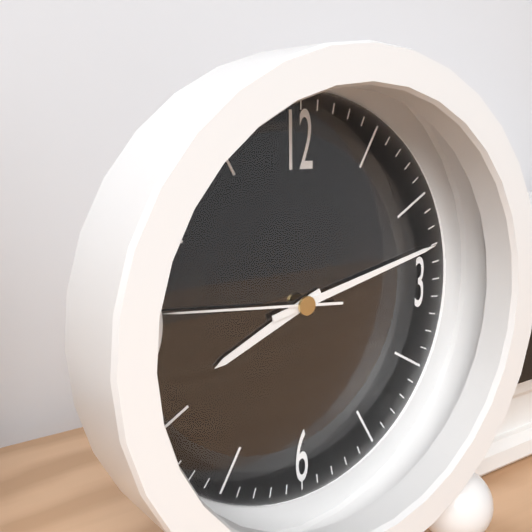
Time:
**8:13:46**
